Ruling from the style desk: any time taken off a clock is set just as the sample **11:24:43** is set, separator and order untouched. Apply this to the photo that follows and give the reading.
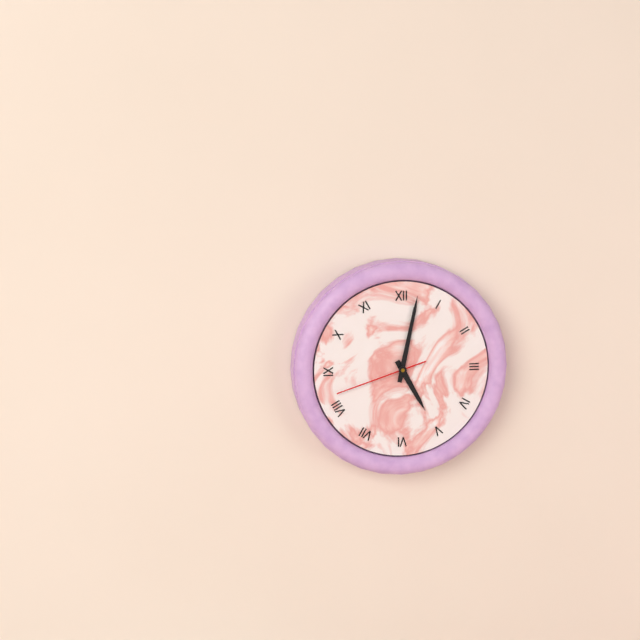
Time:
**5:02:42**
